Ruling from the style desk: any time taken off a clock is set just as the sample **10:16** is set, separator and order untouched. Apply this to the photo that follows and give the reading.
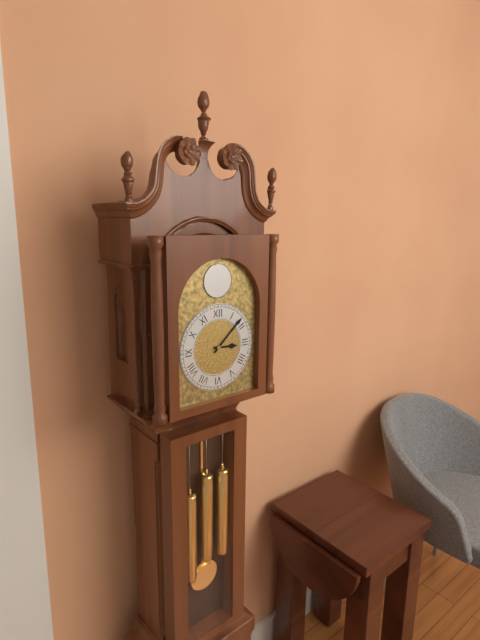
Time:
**3:08**
